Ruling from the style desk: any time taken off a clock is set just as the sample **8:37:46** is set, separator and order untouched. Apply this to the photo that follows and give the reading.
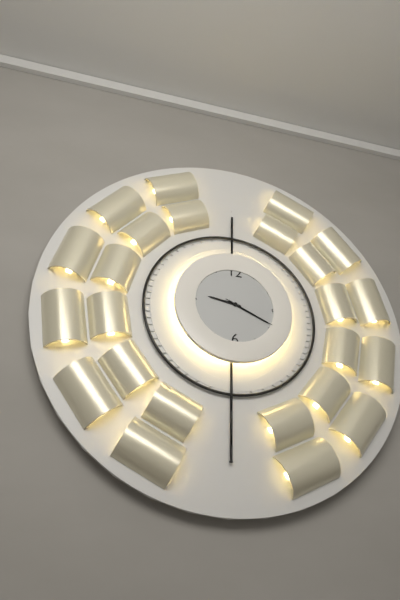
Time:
**9:19:19**
